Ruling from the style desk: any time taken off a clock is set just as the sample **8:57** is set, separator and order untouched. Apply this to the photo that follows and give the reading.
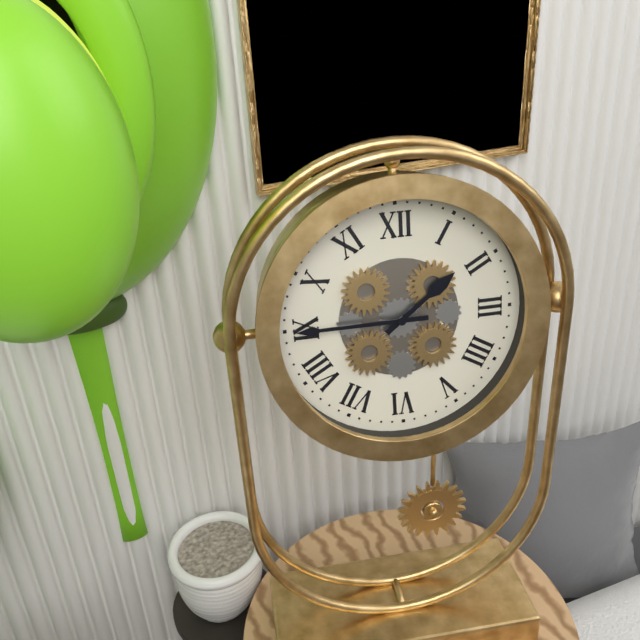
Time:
**1:45**
